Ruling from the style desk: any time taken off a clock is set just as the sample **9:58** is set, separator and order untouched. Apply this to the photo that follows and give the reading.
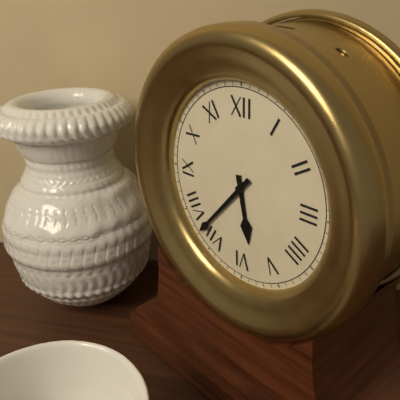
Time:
**5:37**
